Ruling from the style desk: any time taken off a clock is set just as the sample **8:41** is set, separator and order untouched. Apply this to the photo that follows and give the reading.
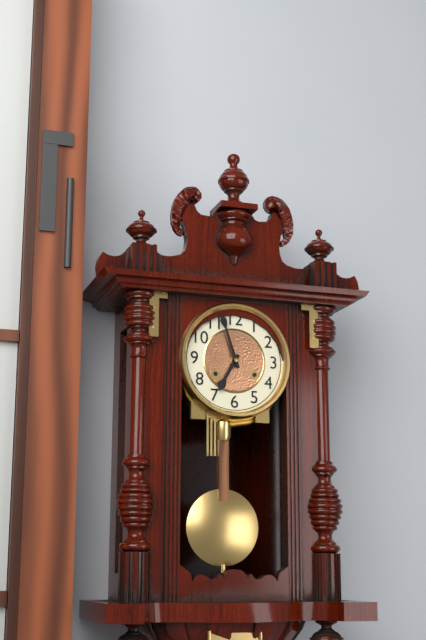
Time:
**6:57**
